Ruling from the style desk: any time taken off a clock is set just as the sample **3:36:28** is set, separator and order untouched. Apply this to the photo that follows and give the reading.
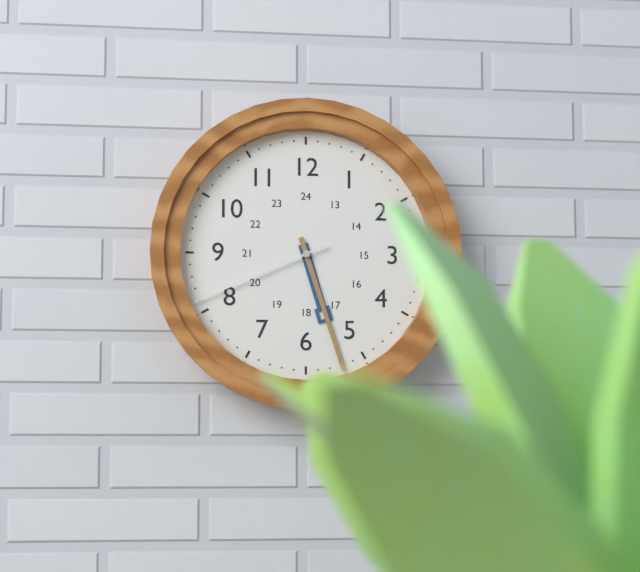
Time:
**5:27:41**
